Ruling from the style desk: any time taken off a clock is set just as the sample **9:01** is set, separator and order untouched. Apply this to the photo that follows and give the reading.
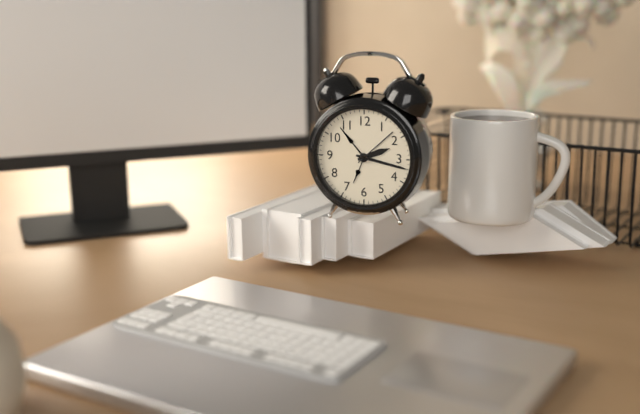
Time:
**2:17**
